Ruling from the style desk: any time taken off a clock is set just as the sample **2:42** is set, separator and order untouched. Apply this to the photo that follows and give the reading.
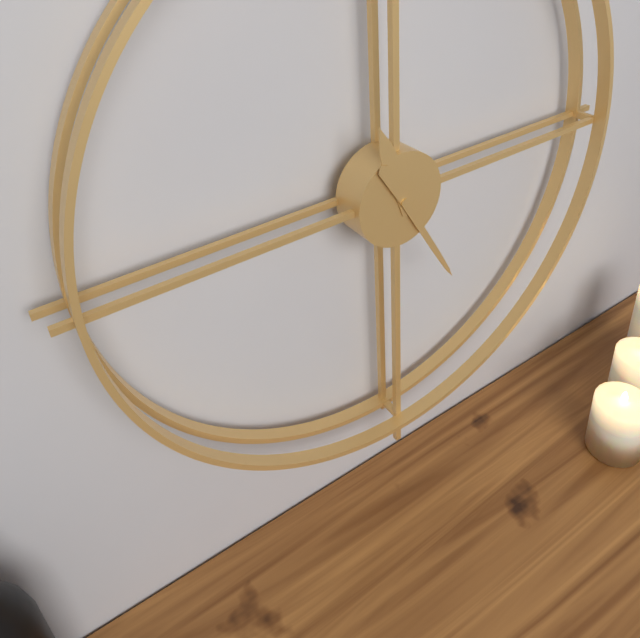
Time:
**11:25**
